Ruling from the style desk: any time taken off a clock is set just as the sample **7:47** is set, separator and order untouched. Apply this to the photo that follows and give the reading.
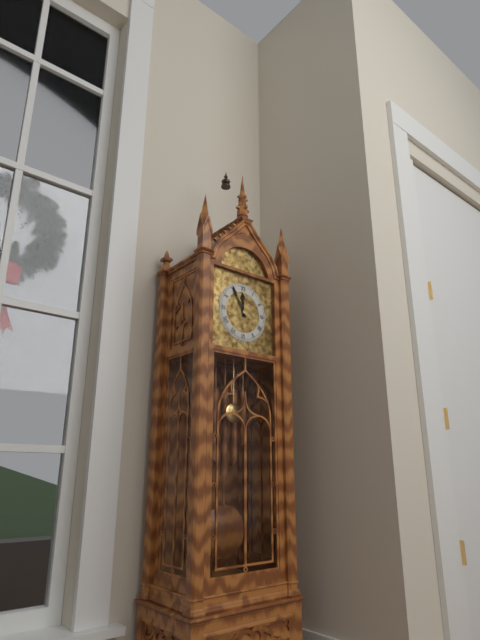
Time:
**11:55**
